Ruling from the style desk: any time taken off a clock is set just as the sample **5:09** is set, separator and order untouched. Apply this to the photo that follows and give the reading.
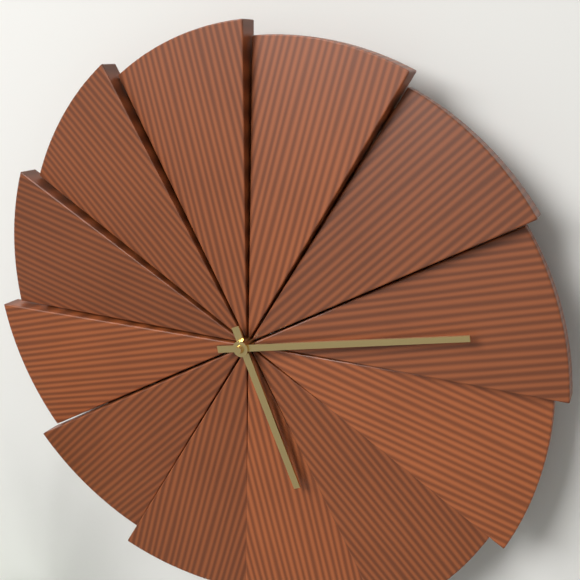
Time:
**5:13**
